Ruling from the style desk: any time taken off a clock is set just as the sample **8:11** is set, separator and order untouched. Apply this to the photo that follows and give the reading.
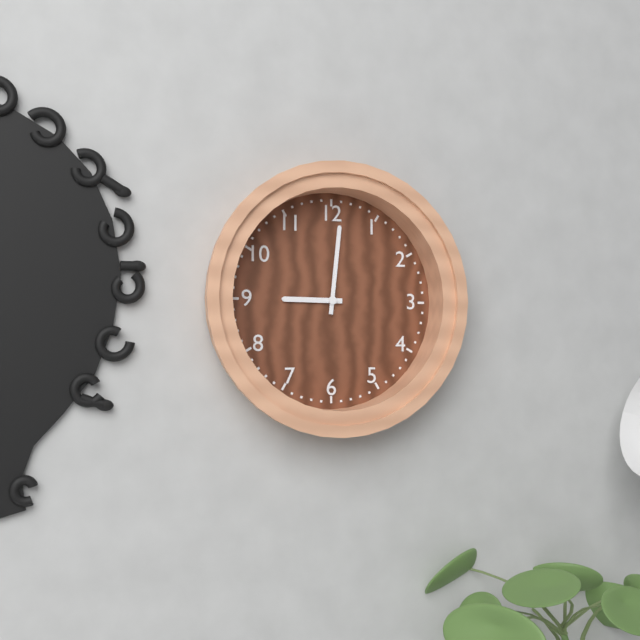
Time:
**9:01**
